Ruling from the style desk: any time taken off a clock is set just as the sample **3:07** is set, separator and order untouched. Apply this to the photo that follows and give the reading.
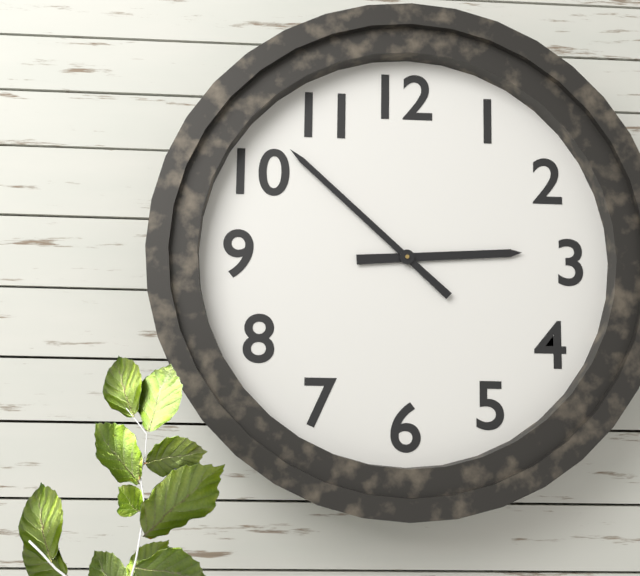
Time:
**2:52**
